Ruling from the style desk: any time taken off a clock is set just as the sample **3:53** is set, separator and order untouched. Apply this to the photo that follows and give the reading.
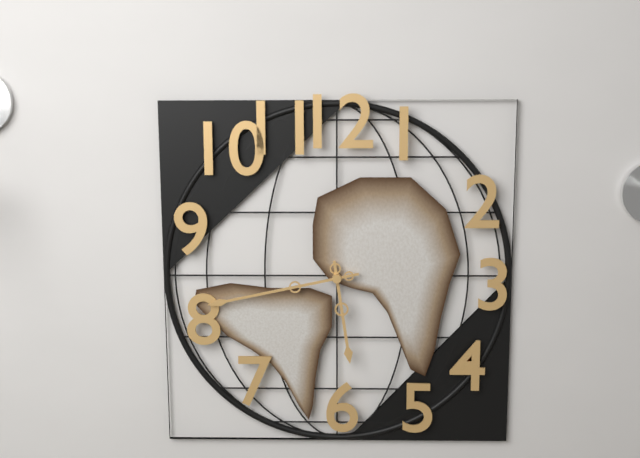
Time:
**5:43**
